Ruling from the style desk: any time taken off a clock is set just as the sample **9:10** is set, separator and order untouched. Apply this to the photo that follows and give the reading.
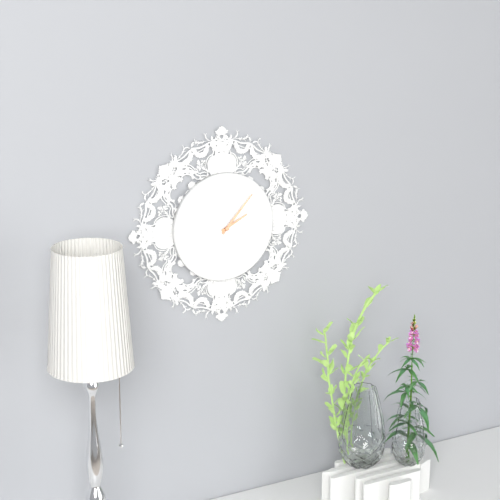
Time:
**2:07**
